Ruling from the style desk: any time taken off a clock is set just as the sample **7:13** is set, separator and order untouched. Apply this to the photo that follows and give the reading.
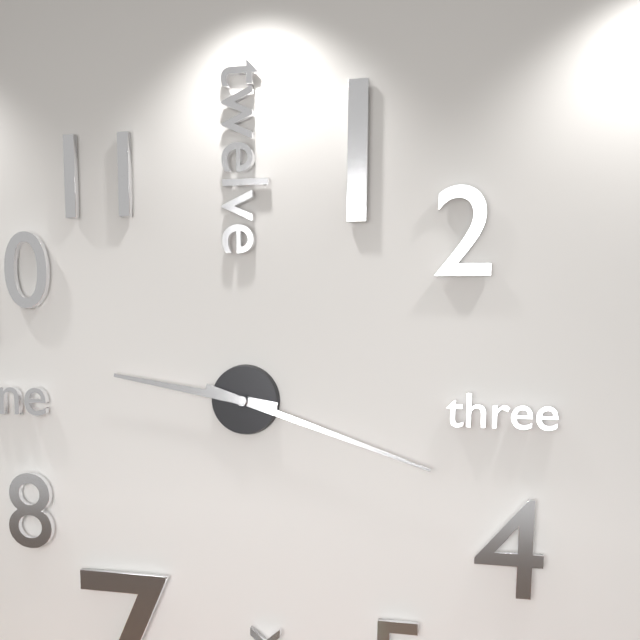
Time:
**9:18**
